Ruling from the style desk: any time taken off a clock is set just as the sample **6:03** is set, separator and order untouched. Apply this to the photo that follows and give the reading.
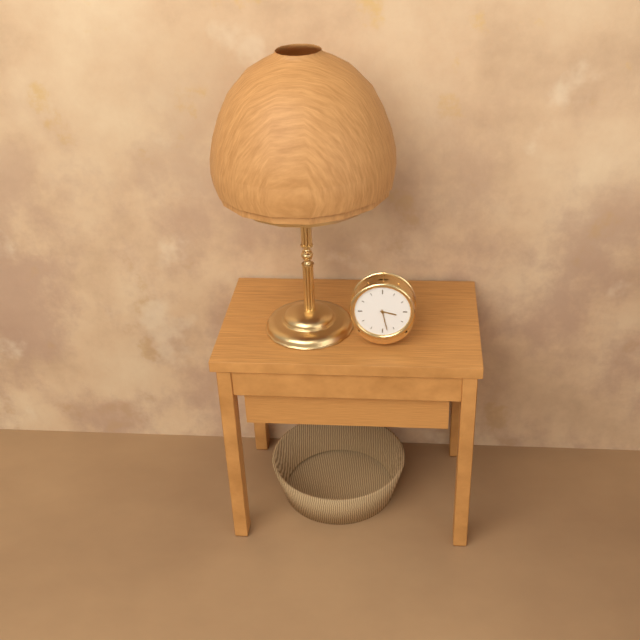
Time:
**3:28**
